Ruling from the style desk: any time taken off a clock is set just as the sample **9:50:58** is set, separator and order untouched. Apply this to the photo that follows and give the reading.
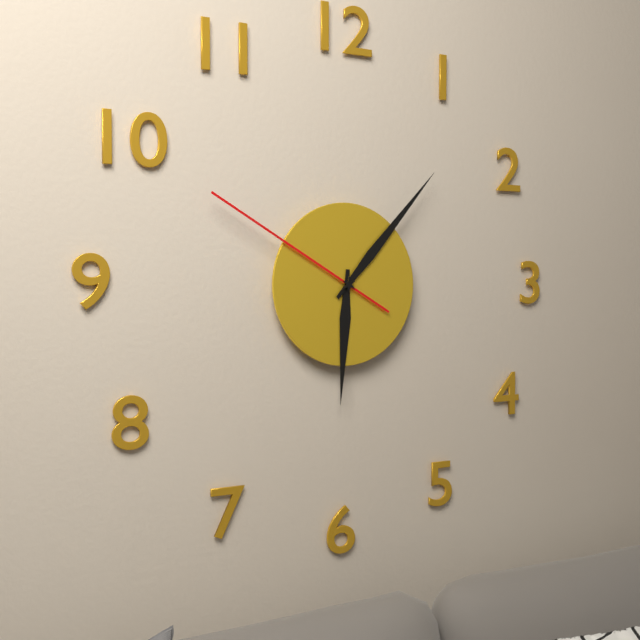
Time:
**6:07:50**
